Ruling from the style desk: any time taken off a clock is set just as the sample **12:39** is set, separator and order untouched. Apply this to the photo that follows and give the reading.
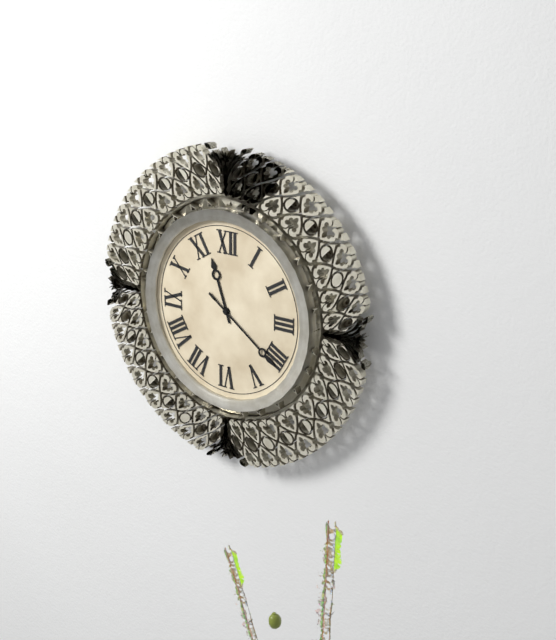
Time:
**11:21**
